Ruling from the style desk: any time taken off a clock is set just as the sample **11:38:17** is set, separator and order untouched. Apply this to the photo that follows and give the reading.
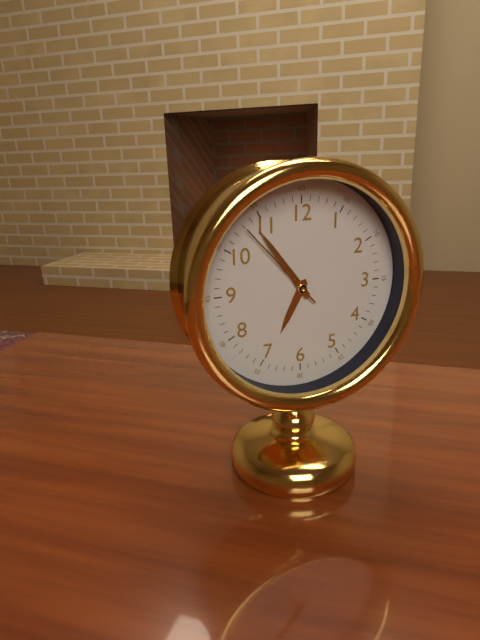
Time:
**6:54:53**
